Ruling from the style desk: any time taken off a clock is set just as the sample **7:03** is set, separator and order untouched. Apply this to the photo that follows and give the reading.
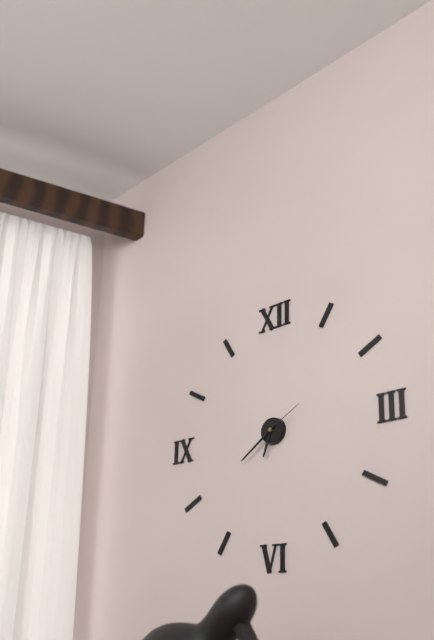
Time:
**6:39**
